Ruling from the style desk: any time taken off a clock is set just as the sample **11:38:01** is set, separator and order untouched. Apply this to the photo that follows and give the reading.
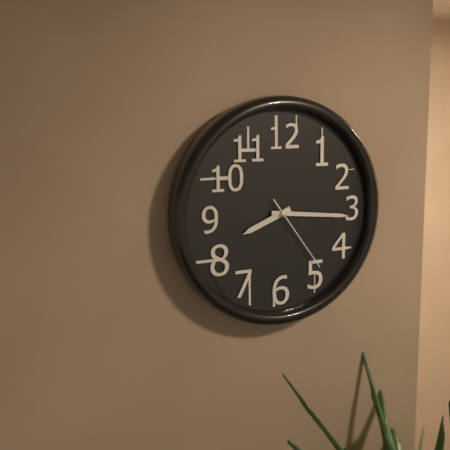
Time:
**8:16:24**
